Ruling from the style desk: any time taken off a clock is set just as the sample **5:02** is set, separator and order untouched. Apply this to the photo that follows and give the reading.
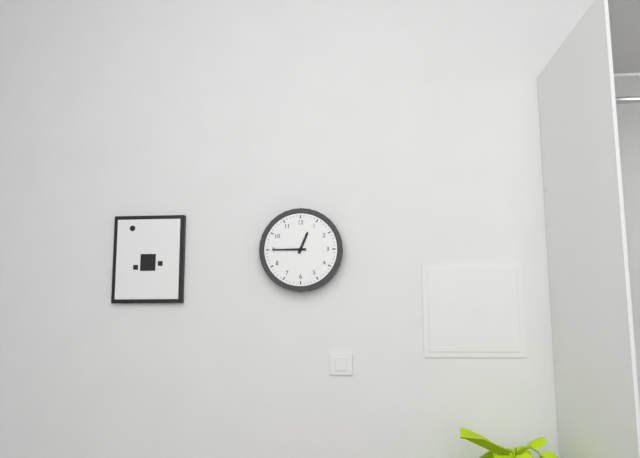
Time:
**12:45**
